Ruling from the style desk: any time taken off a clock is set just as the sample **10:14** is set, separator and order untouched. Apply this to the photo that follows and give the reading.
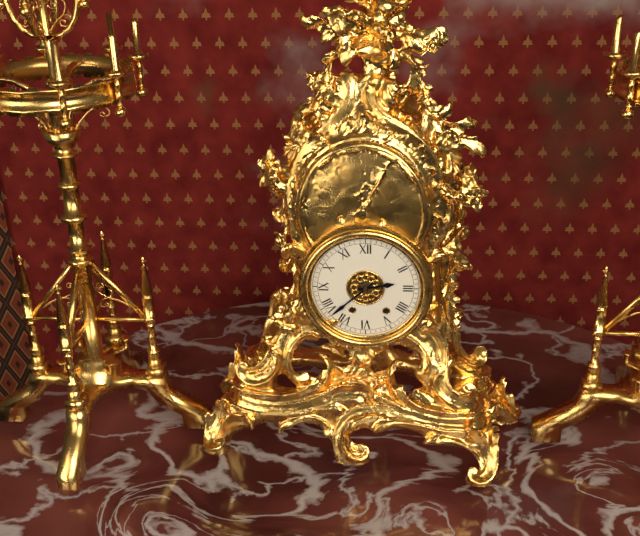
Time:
**2:38**
